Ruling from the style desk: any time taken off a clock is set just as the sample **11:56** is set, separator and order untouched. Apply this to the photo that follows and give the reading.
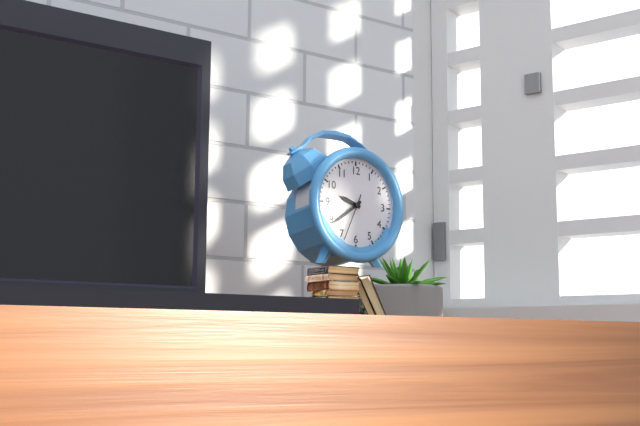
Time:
**9:39**
